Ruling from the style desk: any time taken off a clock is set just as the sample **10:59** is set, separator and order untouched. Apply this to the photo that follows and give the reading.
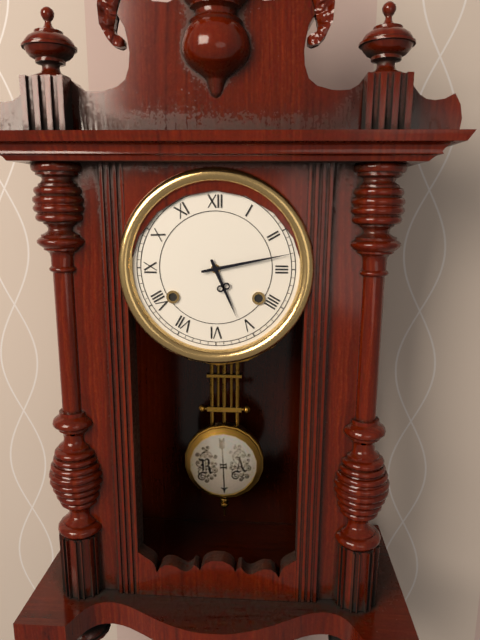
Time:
**5:13**
